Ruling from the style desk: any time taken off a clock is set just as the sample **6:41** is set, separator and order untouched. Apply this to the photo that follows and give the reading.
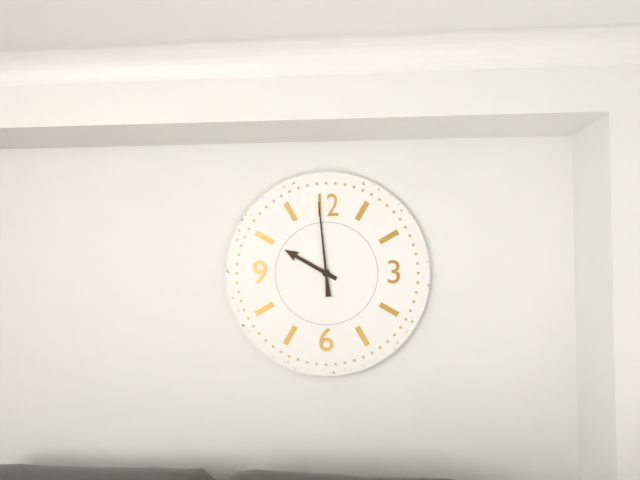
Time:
**9:59**
